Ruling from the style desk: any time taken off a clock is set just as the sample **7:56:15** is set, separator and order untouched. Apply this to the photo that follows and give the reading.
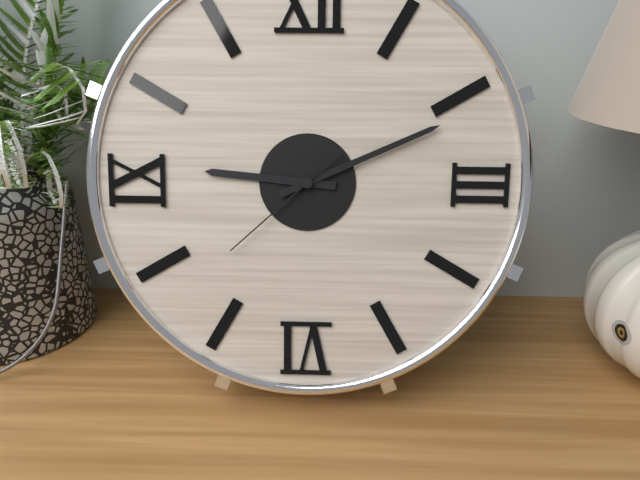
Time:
**9:11:38**
